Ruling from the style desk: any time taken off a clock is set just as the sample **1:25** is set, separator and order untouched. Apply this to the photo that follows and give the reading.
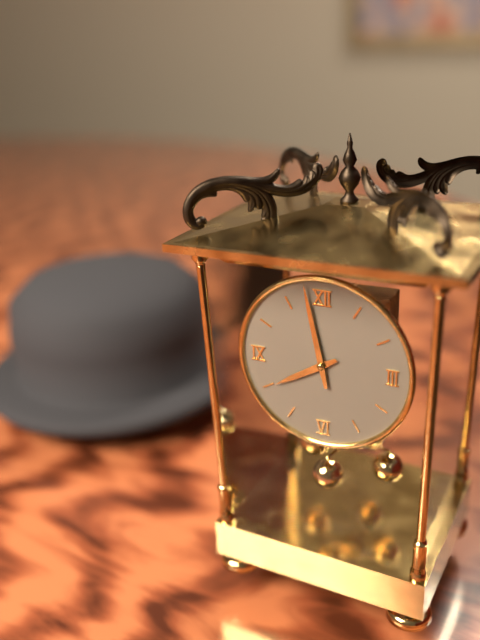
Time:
**7:58**
